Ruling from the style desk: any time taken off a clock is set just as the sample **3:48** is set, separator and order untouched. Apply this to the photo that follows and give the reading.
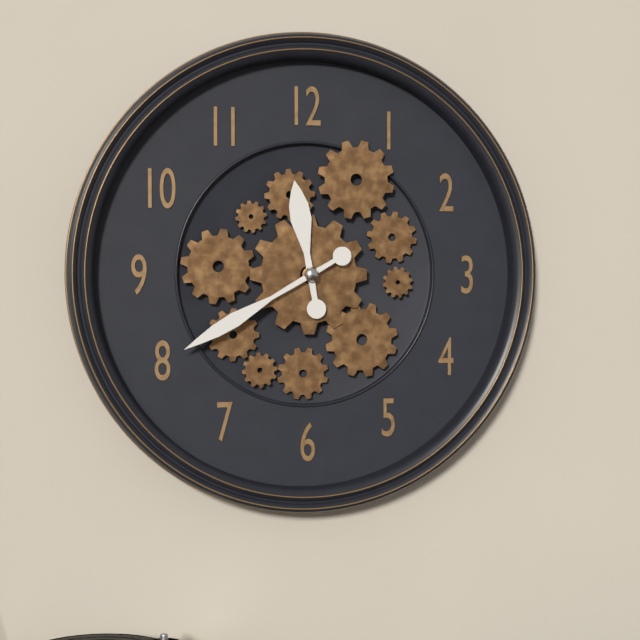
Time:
**11:40**
